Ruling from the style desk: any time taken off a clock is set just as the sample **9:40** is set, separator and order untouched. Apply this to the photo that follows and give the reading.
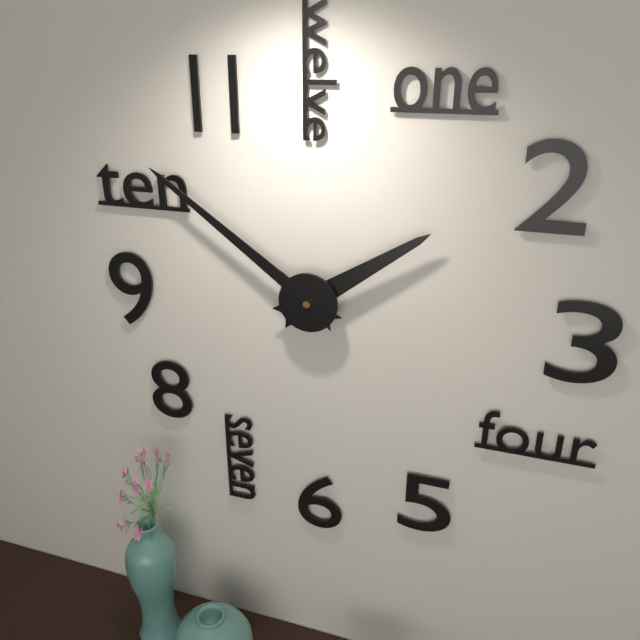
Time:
**1:51**
